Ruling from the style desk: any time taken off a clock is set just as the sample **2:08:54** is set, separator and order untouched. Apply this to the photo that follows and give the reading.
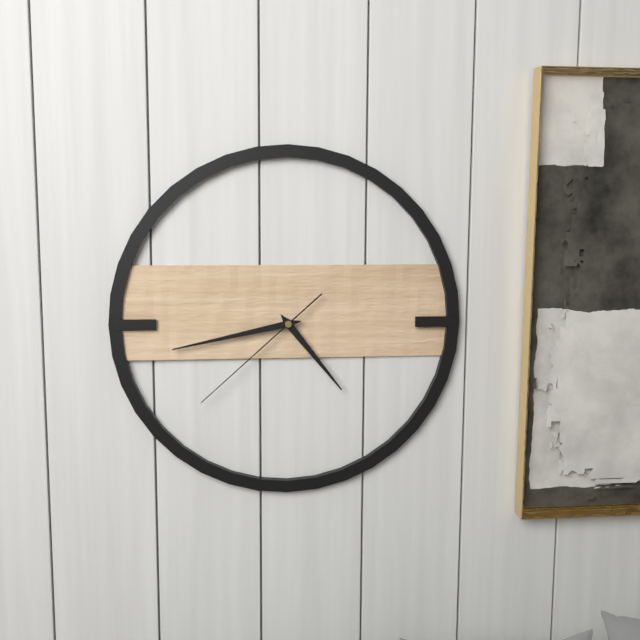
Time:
**4:43:38**
